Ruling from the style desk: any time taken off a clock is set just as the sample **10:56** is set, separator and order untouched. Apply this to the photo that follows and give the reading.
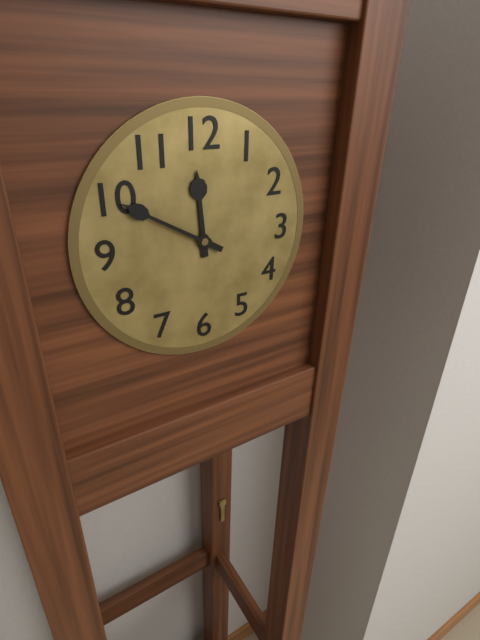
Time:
**11:50**
